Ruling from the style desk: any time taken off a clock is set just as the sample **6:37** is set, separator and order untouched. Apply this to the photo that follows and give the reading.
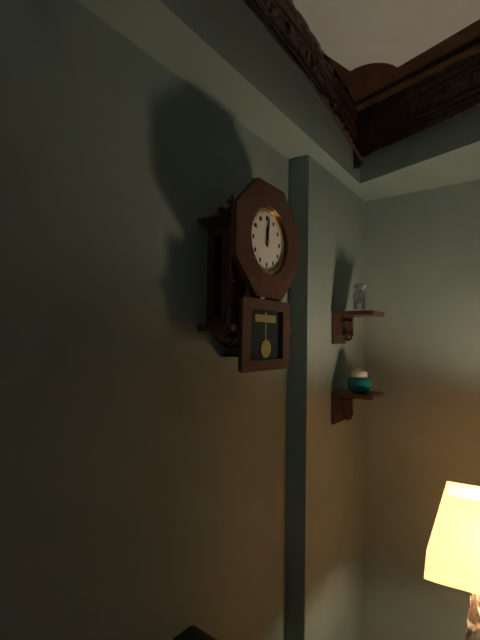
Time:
**12:01**
